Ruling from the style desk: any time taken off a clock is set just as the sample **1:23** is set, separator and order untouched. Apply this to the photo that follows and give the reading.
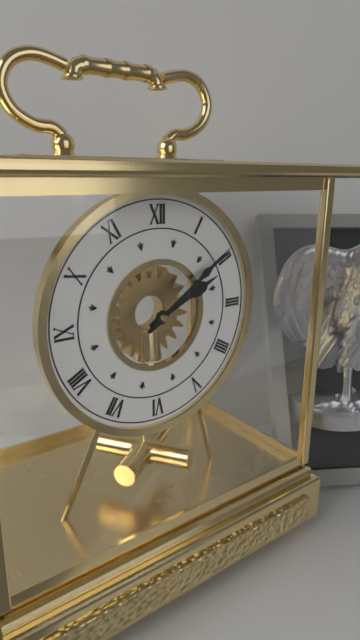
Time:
**2:09**
